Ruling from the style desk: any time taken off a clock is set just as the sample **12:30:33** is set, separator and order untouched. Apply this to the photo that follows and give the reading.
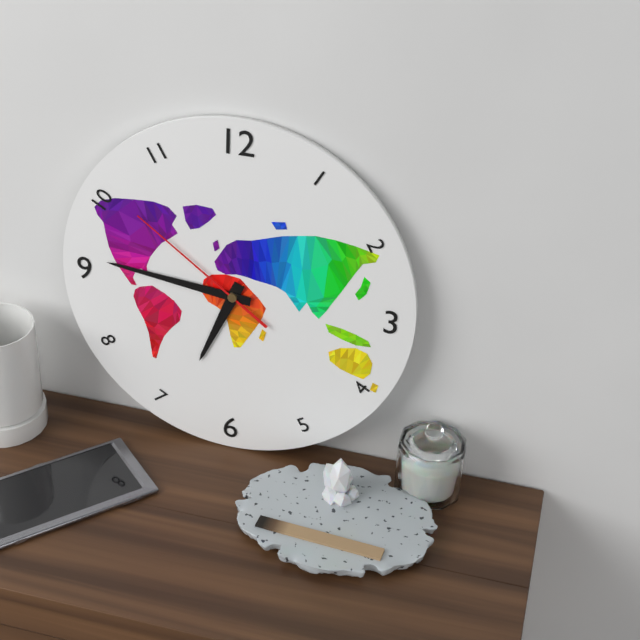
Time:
**6:46:51**
